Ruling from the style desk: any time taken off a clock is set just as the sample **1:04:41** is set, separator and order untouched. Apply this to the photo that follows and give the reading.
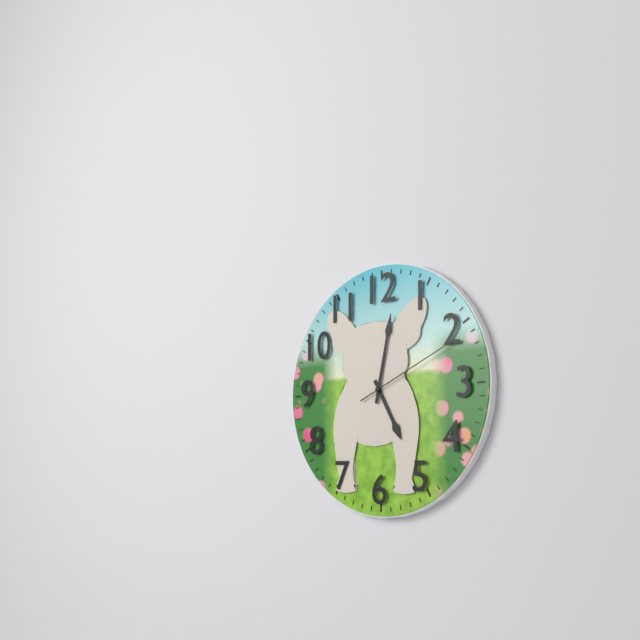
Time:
**5:02:11**
